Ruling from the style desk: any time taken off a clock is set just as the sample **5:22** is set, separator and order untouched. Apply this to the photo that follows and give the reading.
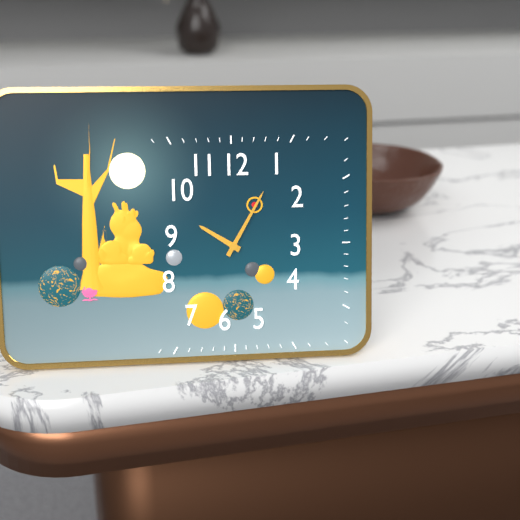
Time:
**10:05**
